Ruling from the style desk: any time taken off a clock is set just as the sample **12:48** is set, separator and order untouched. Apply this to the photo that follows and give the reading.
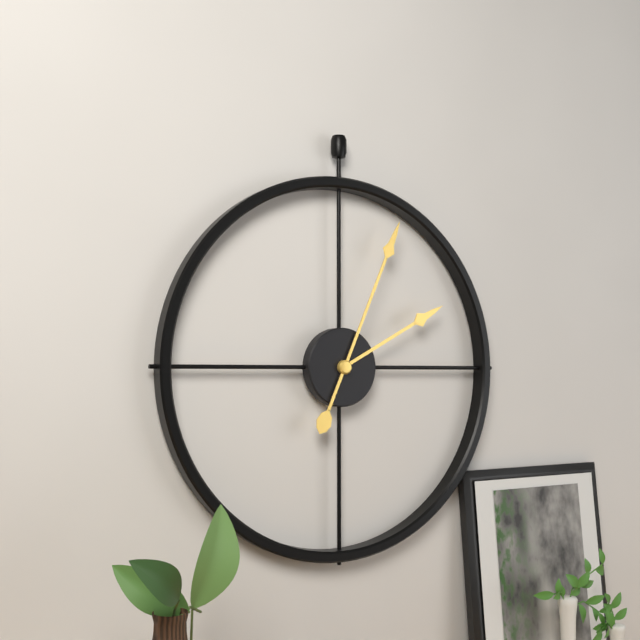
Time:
**2:04**
